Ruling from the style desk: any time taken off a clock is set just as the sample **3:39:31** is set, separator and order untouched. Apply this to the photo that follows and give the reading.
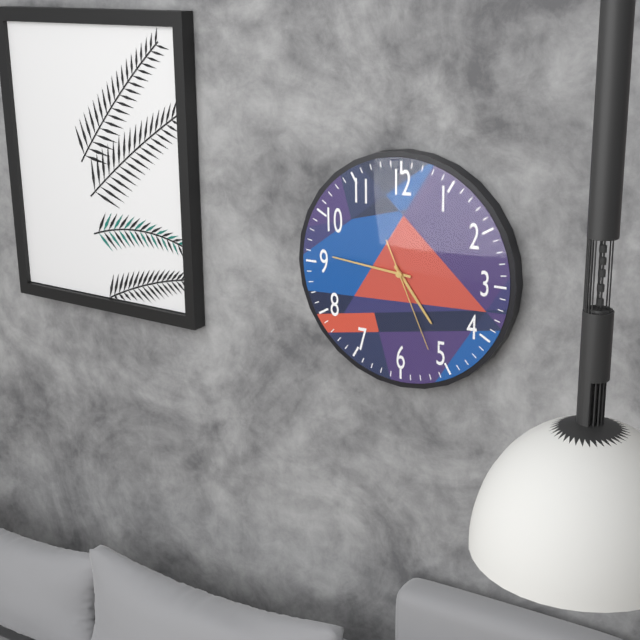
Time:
**4:46:26**
